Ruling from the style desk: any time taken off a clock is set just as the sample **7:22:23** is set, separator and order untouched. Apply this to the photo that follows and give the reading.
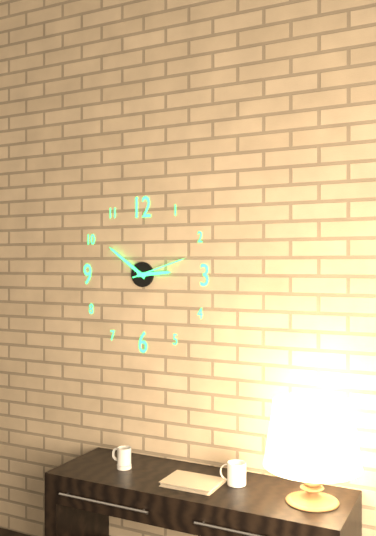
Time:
**2:51:12**
